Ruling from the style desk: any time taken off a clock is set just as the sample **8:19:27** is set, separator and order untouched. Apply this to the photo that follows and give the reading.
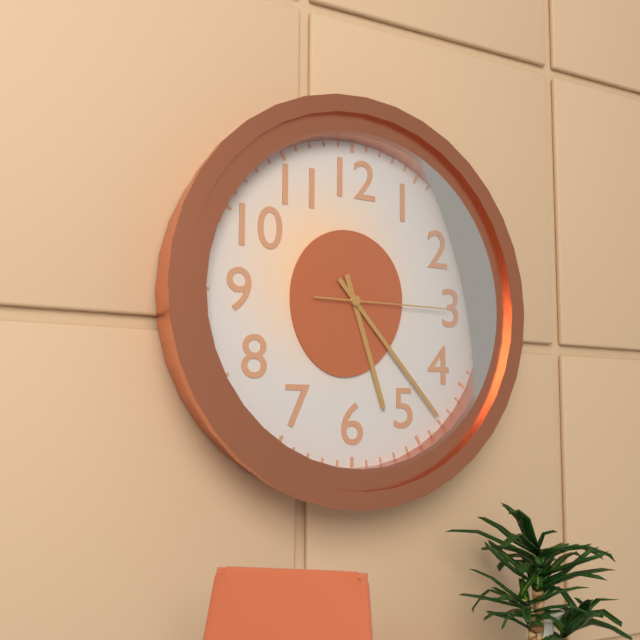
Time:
**5:23:15**
